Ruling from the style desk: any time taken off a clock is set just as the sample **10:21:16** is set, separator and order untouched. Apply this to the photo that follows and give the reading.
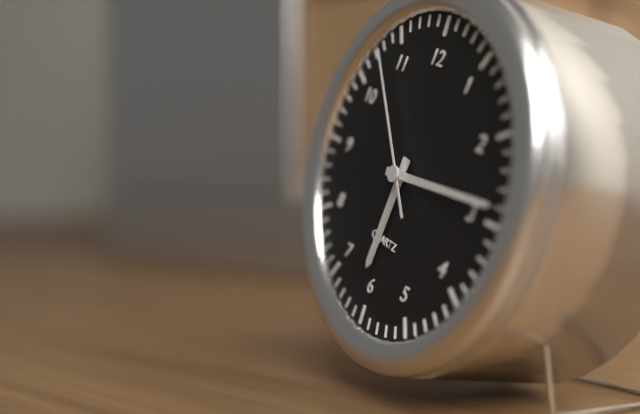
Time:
**6:14:53**
